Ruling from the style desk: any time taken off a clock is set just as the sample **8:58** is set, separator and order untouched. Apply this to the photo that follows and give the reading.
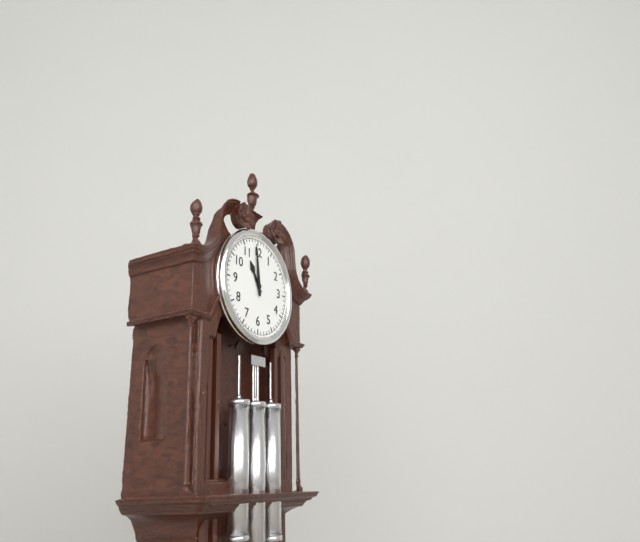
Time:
**10:59**
